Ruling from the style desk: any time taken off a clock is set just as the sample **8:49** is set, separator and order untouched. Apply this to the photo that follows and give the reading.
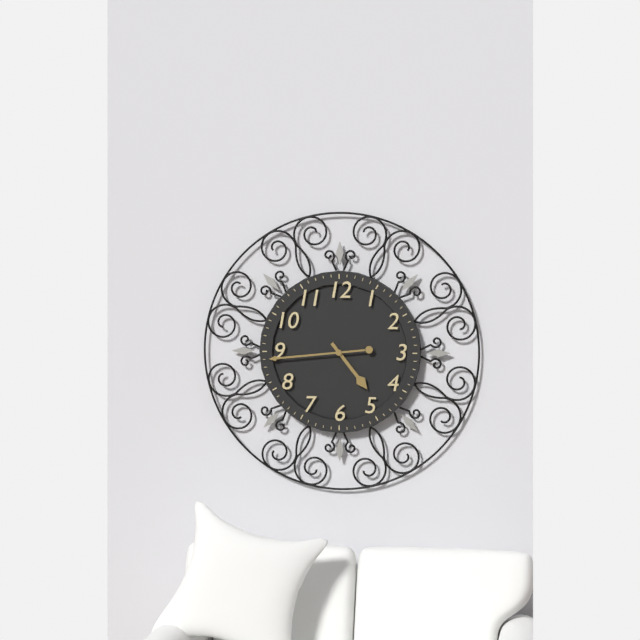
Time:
**4:44**
